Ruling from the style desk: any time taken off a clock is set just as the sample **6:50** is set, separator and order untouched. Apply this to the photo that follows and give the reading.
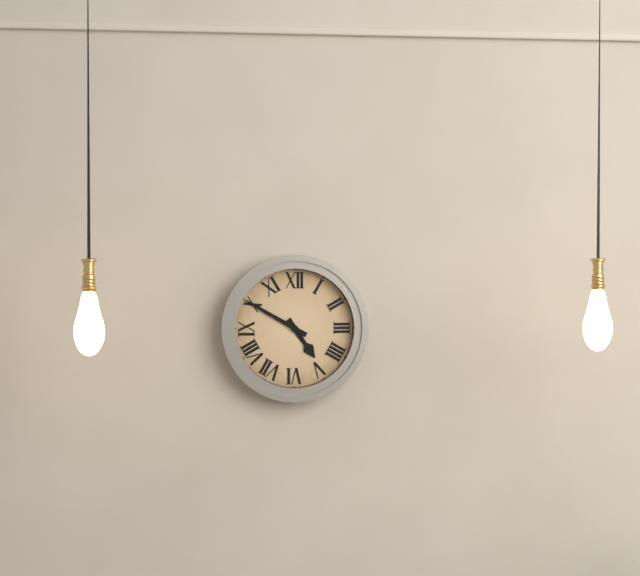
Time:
**4:50**
